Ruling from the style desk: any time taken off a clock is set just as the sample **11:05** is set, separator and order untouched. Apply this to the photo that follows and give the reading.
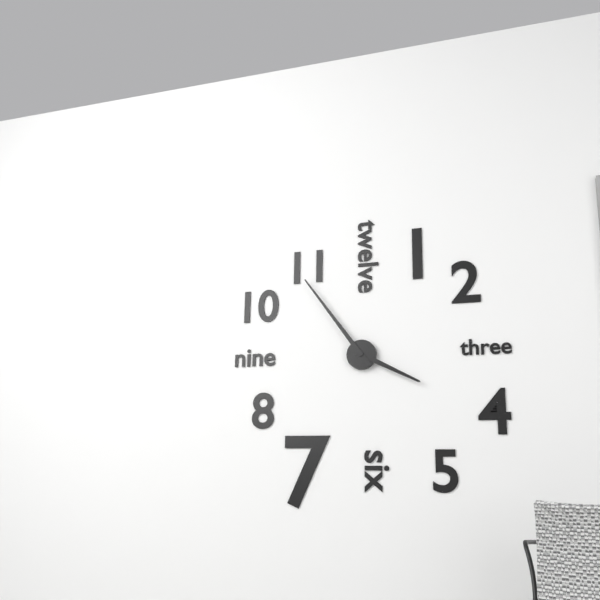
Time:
**3:54**
